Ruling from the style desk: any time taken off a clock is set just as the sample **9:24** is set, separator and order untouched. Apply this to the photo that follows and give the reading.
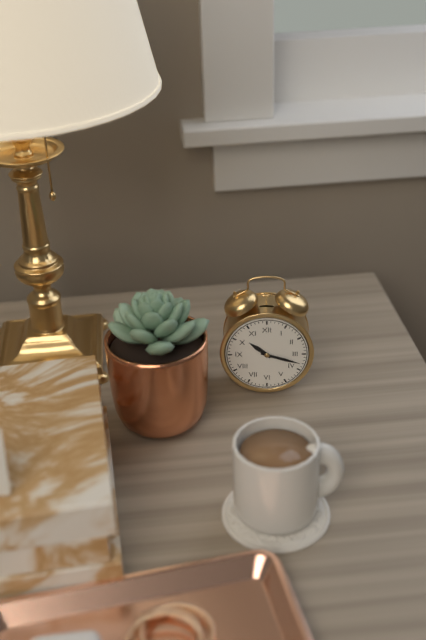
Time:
**10:18**
